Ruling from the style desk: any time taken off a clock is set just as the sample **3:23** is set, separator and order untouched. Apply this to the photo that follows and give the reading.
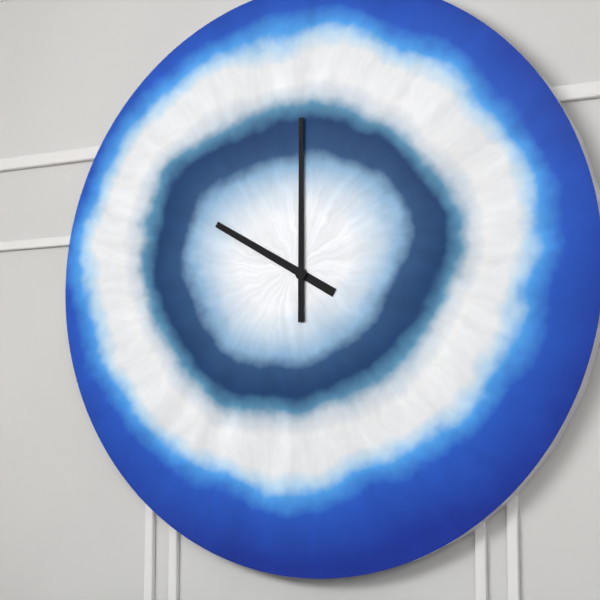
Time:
**10:00**
